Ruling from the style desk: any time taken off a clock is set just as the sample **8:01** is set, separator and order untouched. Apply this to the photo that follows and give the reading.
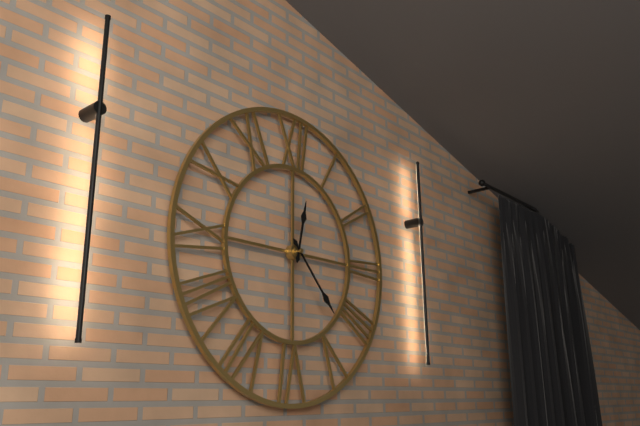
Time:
**12:23**
